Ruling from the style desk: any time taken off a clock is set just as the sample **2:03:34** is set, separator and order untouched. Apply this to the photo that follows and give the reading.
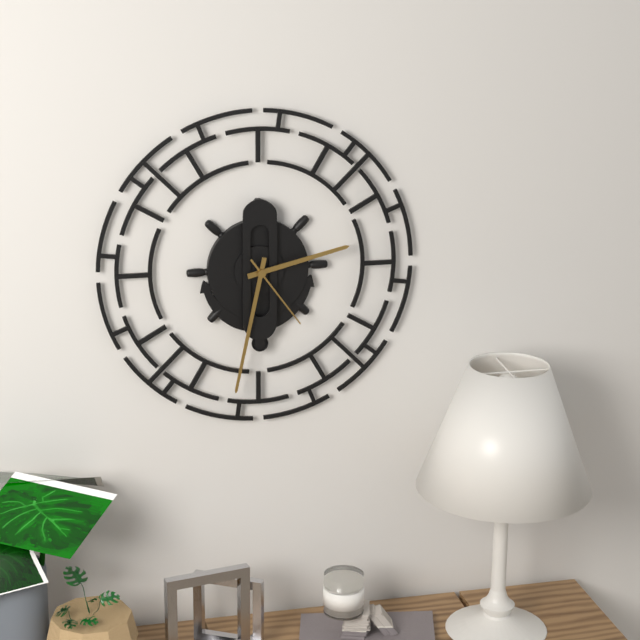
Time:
**2:32:24**
